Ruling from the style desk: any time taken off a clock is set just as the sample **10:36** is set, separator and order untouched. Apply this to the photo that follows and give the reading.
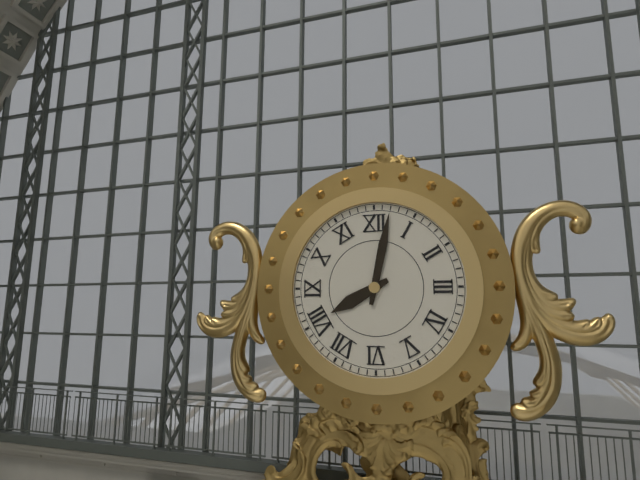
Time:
**8:02**
